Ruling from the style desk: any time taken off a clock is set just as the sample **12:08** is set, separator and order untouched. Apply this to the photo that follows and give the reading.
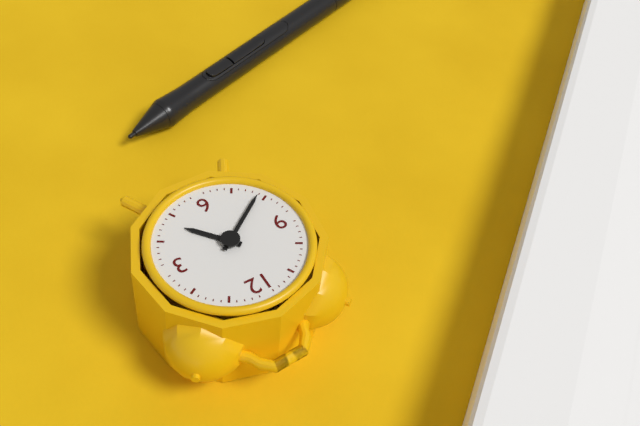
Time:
**4:39**
